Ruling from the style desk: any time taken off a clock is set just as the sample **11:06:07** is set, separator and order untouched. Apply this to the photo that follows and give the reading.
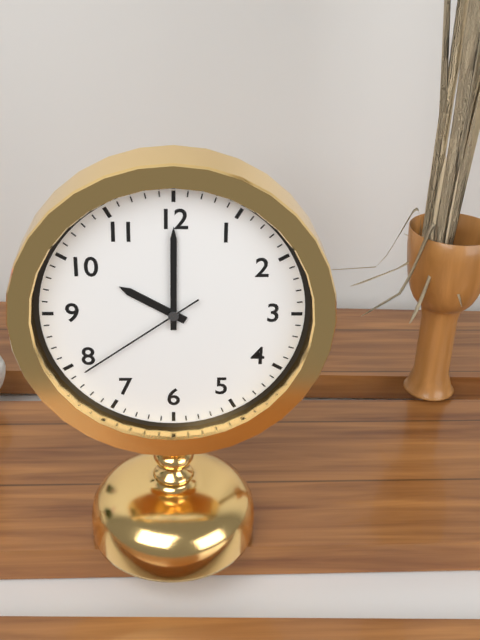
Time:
**10:00:39**
